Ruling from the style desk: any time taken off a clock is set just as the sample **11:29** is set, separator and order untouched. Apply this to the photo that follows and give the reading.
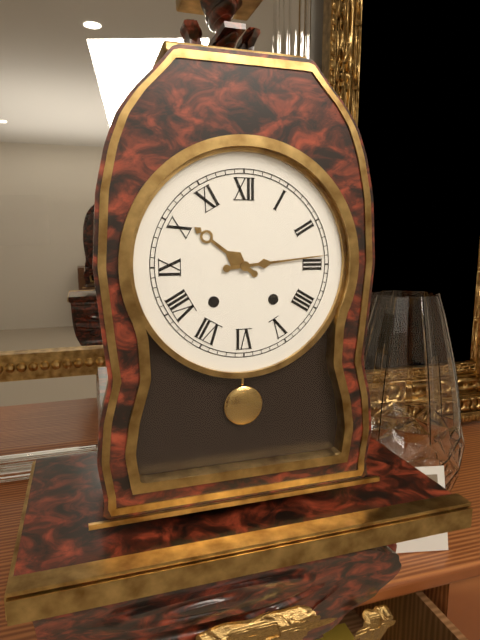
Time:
**10:14**
